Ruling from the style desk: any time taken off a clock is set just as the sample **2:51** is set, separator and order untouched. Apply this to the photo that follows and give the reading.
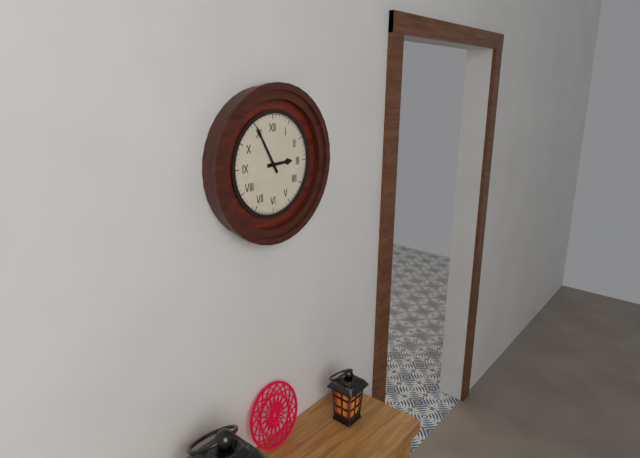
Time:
**2:55**
